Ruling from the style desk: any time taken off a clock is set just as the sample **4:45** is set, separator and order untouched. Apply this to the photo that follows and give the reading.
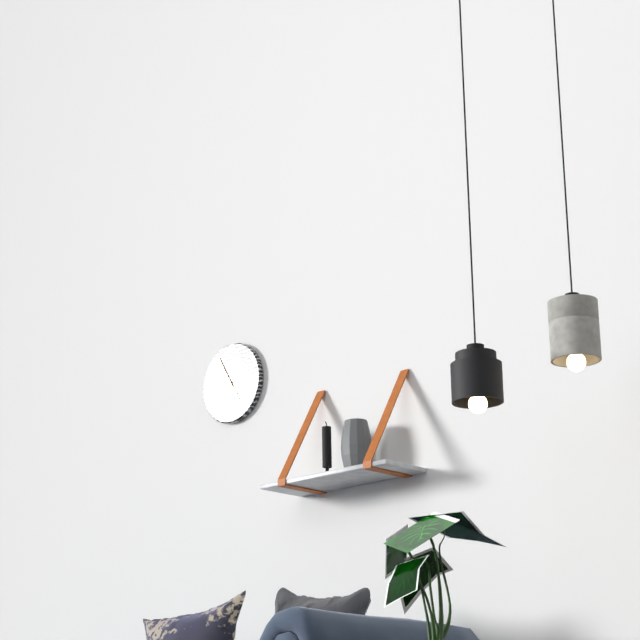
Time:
**4:55**
